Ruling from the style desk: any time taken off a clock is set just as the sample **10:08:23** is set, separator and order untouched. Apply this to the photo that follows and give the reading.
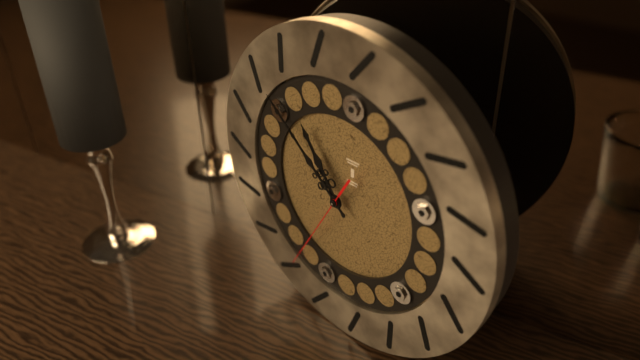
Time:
**10:52:35**
